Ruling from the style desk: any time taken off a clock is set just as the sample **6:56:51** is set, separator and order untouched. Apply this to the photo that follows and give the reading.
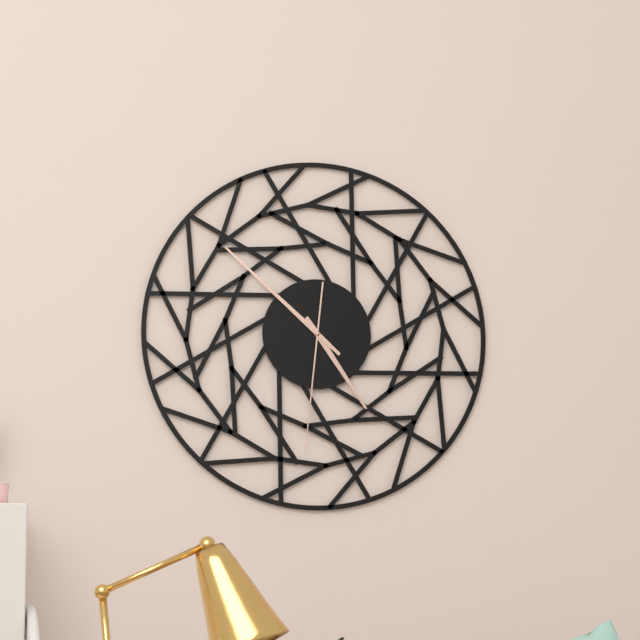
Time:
**4:52:31**
